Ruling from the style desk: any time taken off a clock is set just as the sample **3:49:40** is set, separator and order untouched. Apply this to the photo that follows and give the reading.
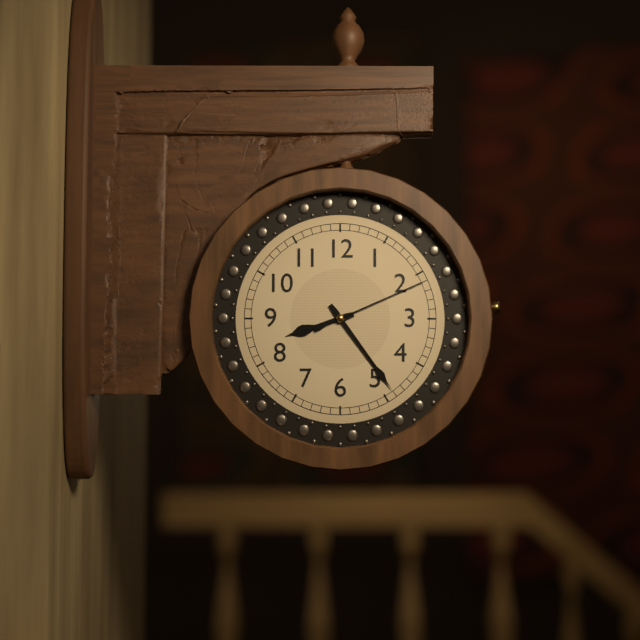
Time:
**8:24:11**
